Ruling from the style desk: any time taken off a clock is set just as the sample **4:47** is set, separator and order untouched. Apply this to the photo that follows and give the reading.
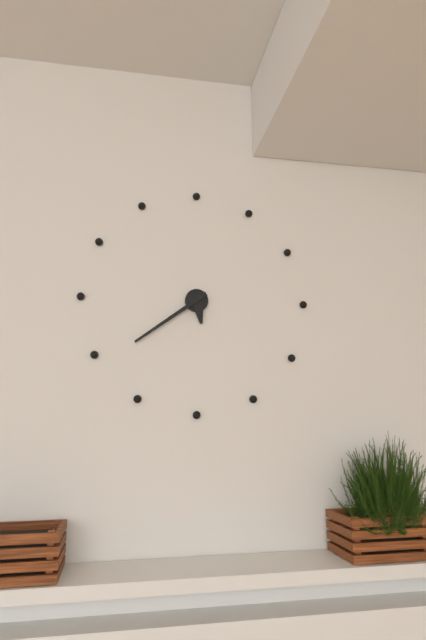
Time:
**5:39**
